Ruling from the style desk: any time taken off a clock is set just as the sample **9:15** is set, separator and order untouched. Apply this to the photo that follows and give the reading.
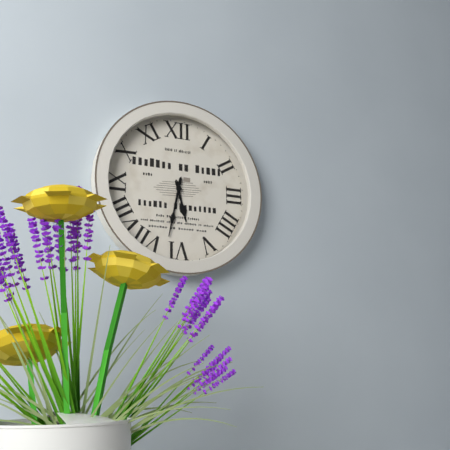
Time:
**5:32**
